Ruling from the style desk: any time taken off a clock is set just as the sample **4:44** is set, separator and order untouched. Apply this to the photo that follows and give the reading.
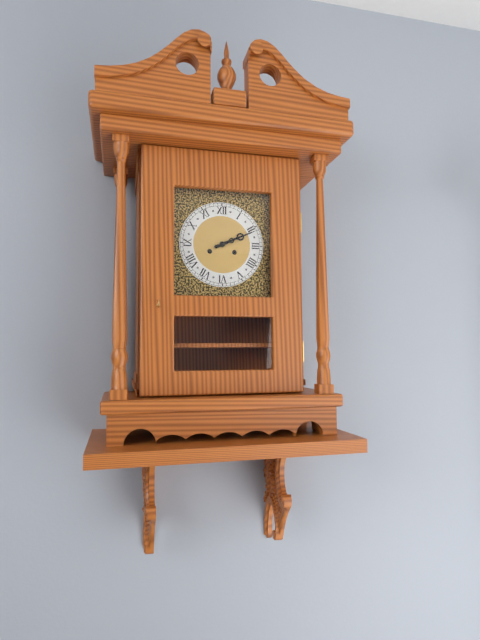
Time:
**2:11**
